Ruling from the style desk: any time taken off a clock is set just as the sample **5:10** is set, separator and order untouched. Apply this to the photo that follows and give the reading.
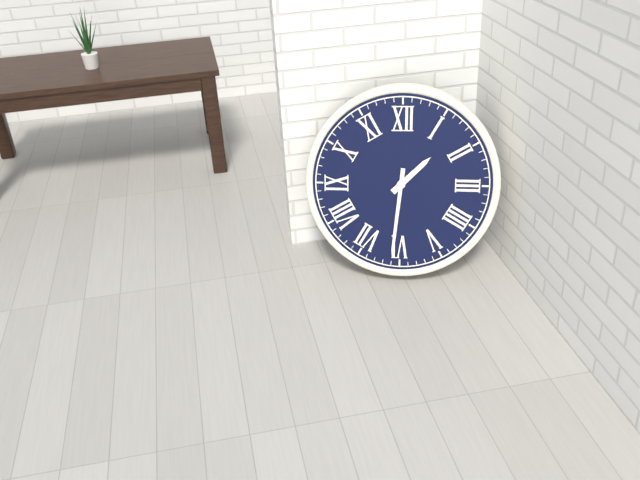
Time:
**1:31**
